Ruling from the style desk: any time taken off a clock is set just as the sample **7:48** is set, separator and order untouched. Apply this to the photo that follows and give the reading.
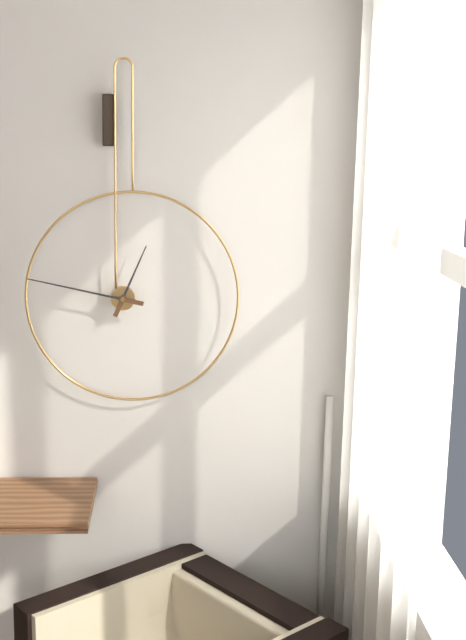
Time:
**12:47**
